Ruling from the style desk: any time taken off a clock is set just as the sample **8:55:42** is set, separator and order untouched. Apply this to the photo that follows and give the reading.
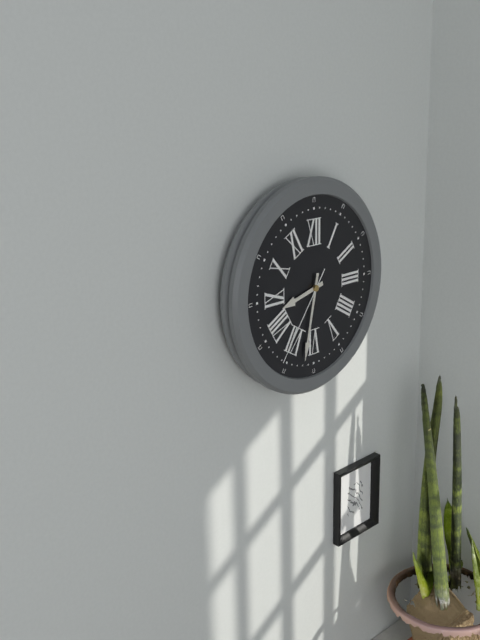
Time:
**8:32:36**
